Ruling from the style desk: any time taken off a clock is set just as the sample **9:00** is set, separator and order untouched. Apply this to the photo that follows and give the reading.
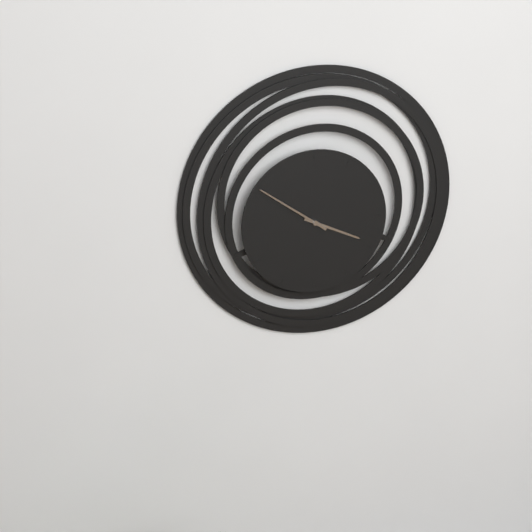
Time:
**3:51**
